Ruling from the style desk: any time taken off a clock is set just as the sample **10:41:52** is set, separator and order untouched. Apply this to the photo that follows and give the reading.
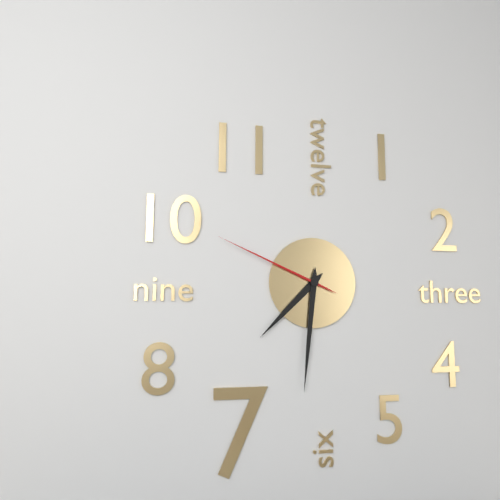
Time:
**7:31:49**
